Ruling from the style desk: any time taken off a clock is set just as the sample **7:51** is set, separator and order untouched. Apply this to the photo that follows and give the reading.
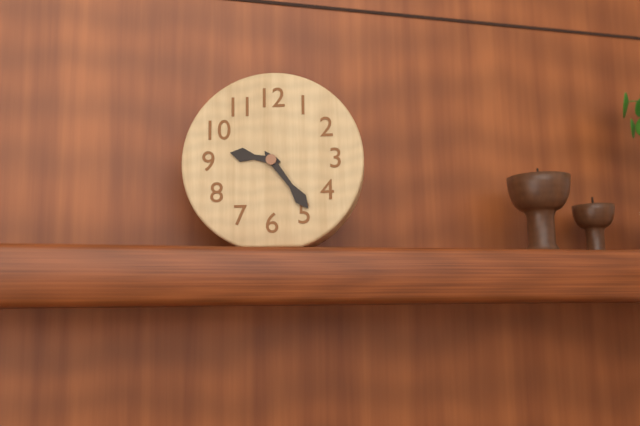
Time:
**9:24**
